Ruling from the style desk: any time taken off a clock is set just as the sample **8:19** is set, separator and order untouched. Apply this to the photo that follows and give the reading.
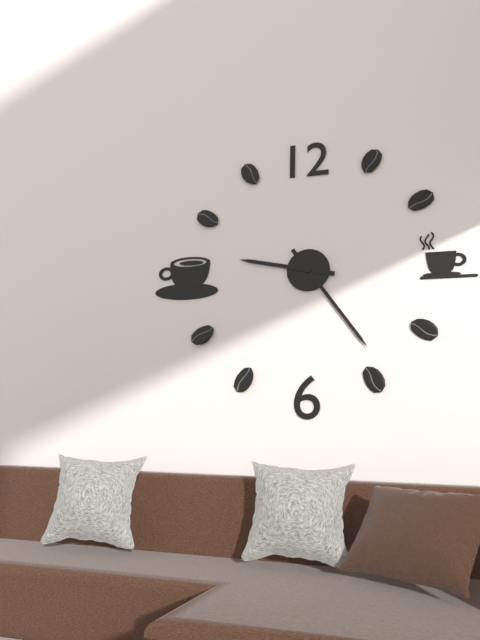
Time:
**9:24**
